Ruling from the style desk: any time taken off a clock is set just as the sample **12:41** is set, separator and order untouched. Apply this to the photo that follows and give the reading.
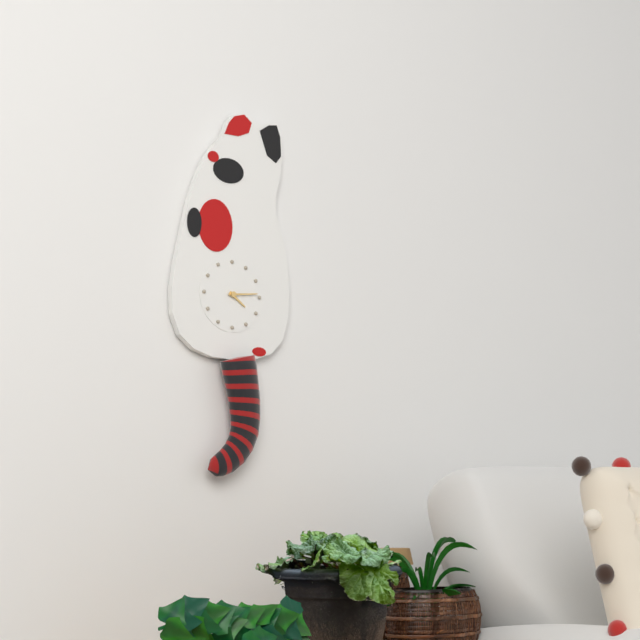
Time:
**4:14**
